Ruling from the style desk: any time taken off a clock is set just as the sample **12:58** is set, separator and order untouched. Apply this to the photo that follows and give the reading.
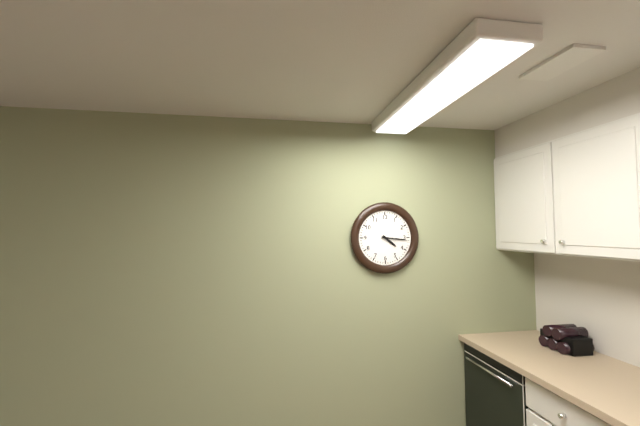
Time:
**4:16**
